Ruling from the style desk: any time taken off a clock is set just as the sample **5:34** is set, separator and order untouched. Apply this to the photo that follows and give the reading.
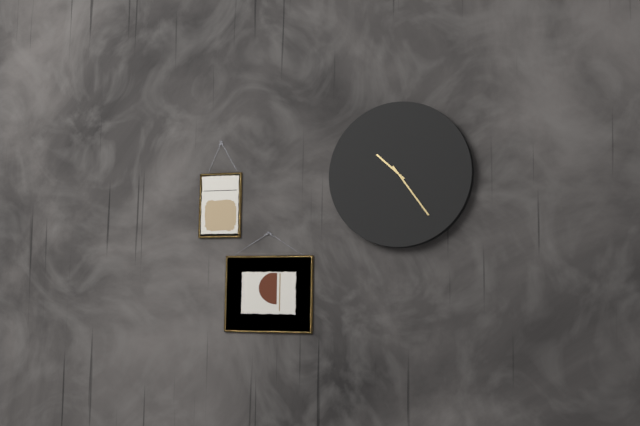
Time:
**10:24**
